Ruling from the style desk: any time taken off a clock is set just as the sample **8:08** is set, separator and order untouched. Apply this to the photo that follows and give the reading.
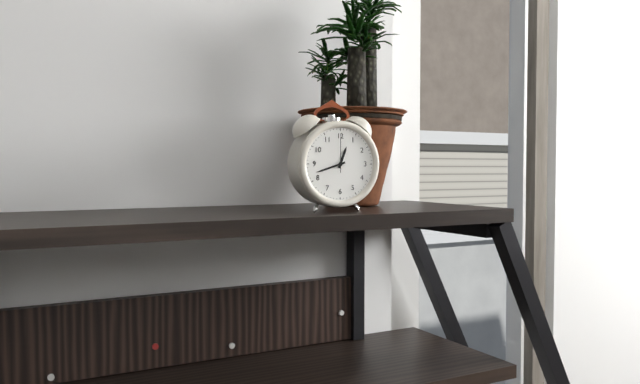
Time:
**12:42**
